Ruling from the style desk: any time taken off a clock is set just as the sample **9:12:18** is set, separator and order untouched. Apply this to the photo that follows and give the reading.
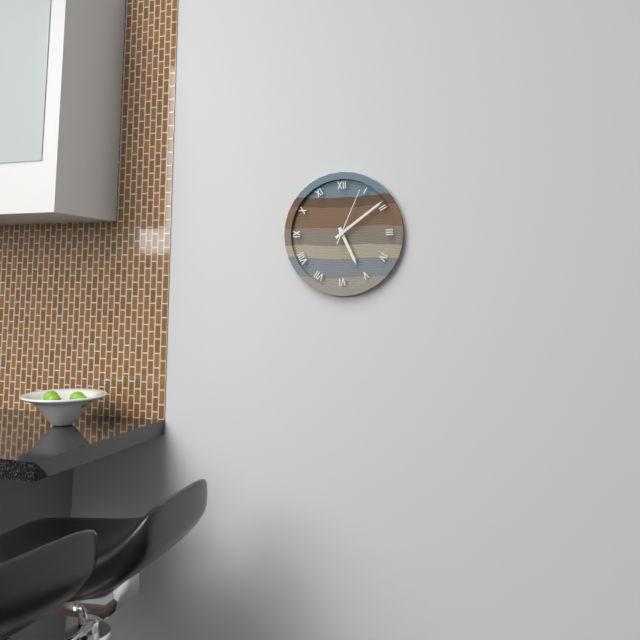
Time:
**5:09:04**
